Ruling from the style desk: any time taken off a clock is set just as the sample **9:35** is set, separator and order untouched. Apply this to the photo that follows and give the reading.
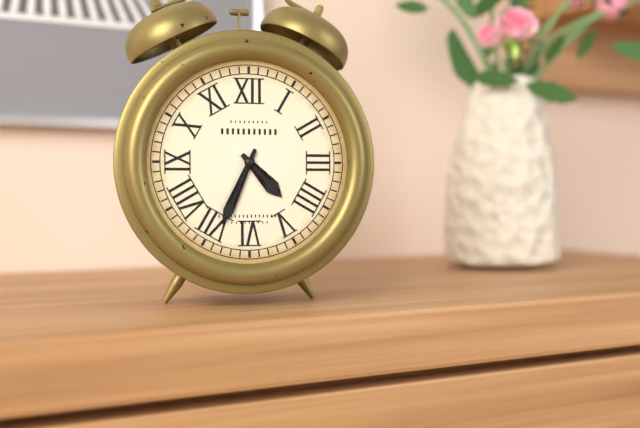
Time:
**4:34**
